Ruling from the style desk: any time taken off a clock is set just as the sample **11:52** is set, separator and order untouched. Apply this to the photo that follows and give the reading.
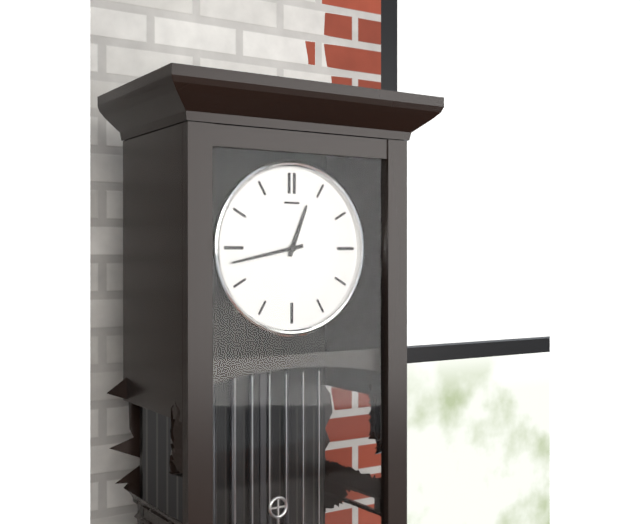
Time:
**12:43**
